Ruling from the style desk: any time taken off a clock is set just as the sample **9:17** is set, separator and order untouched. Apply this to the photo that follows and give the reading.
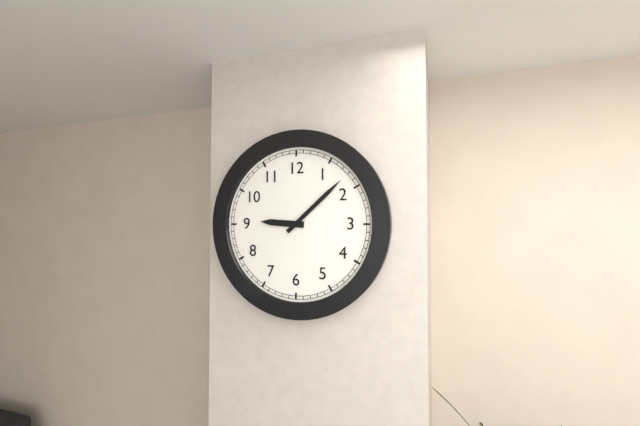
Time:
**9:08**
